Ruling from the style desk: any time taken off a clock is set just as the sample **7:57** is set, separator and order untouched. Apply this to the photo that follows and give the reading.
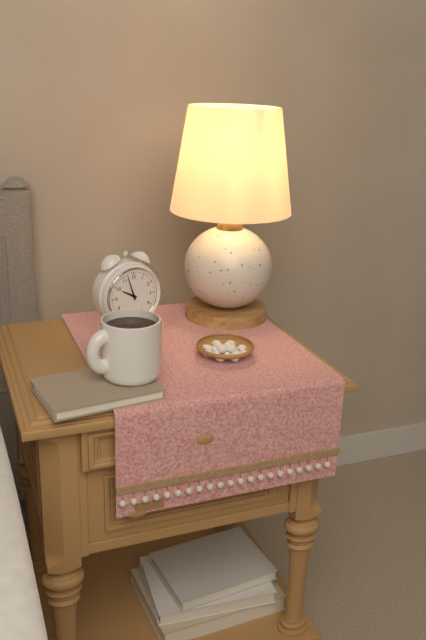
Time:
**9:57**
